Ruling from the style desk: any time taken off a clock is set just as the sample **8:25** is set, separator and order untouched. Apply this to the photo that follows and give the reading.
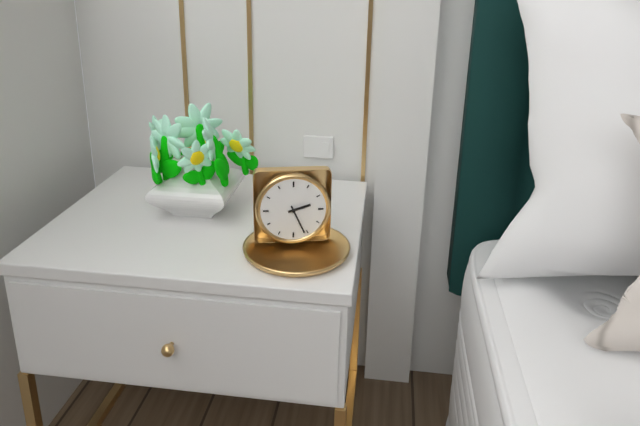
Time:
**2:26**
